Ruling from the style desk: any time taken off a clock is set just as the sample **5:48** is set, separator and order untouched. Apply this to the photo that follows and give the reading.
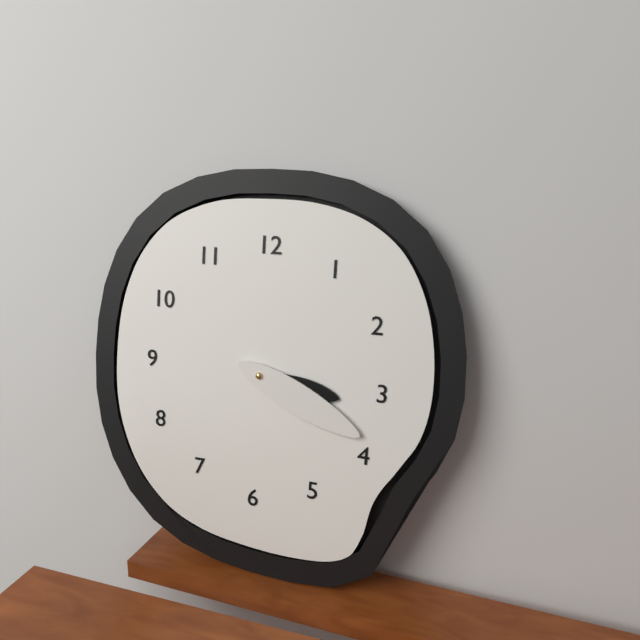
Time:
**3:19**
